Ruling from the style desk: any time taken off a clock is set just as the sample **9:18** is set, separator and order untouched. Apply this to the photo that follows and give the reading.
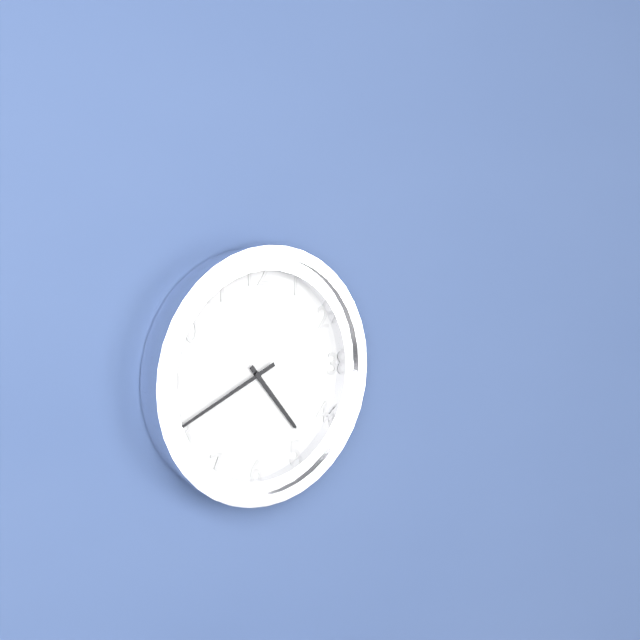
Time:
**4:41**
